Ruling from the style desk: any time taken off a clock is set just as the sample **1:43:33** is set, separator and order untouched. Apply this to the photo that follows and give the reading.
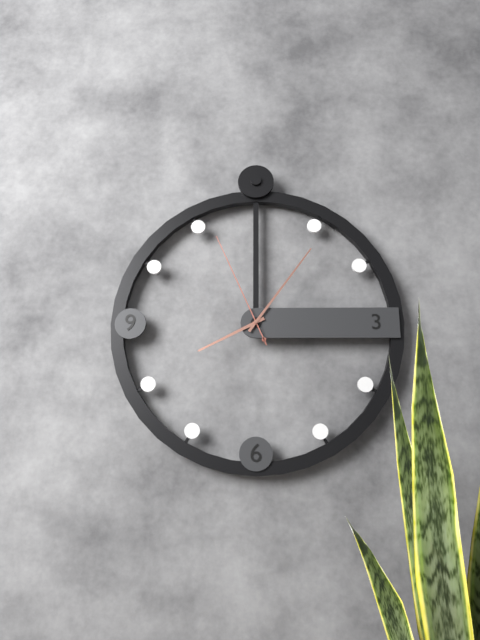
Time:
**8:06:56**
